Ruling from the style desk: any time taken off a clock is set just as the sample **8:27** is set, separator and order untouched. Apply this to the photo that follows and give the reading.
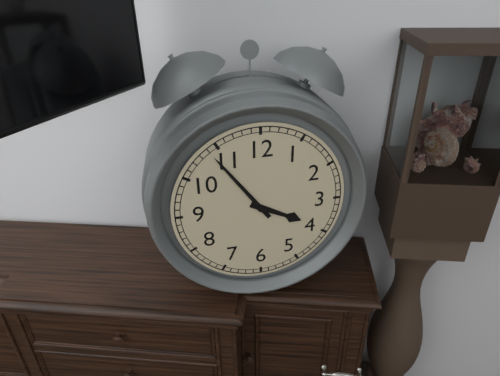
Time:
**3:54**
